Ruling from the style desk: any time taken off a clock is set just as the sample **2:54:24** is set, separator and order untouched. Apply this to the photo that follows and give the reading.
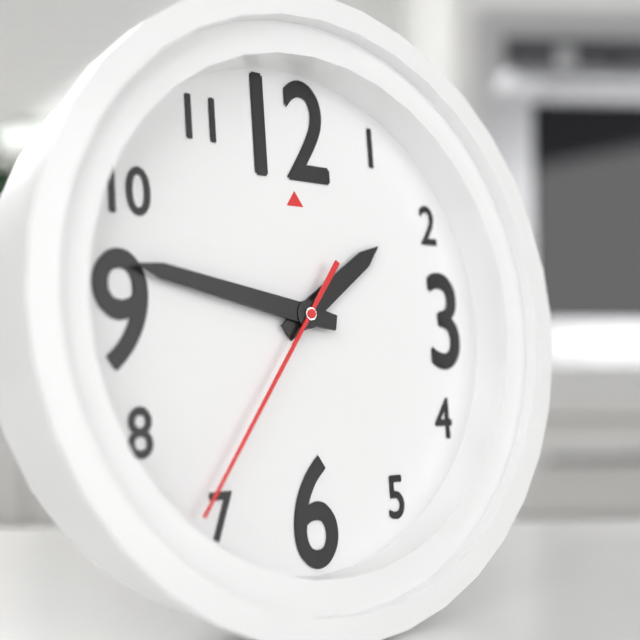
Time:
**1:47:36**
